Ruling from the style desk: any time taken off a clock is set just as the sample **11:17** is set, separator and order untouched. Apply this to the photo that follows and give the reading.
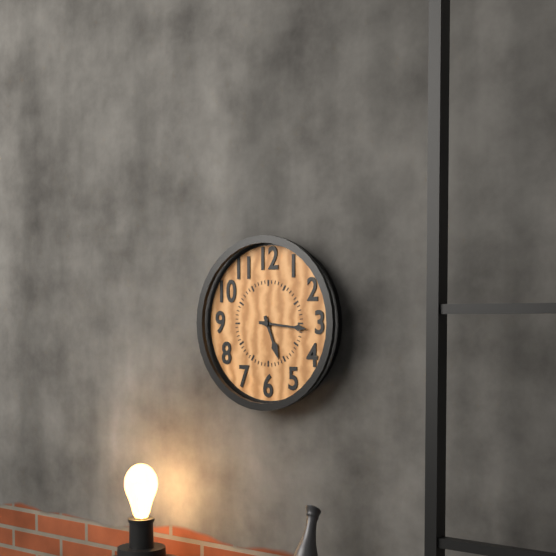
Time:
**5:16**
